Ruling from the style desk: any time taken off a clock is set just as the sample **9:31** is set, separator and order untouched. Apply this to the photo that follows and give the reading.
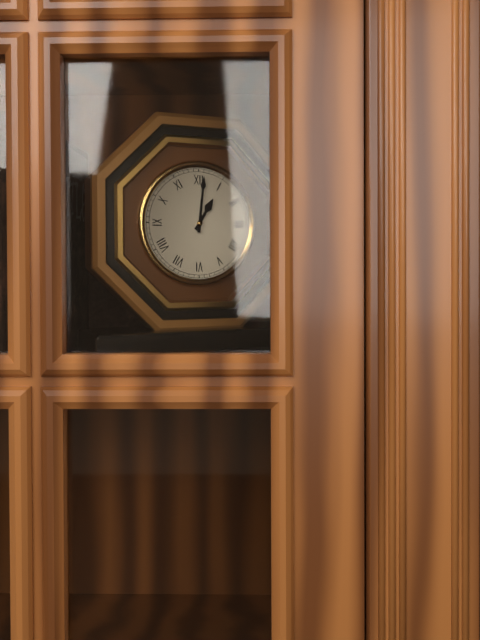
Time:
**1:01**
